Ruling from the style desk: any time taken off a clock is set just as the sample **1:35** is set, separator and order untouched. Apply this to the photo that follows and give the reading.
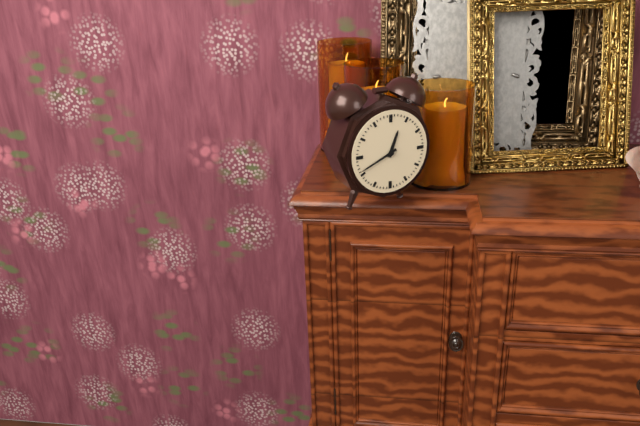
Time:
**12:41**
